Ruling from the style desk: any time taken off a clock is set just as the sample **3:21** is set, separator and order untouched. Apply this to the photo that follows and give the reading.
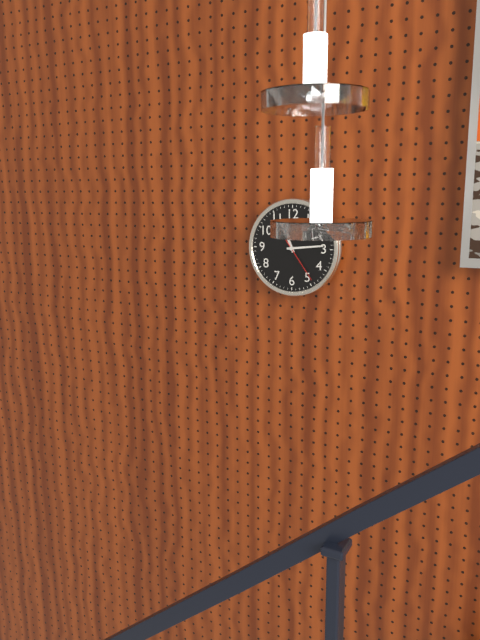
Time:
**11:14**
